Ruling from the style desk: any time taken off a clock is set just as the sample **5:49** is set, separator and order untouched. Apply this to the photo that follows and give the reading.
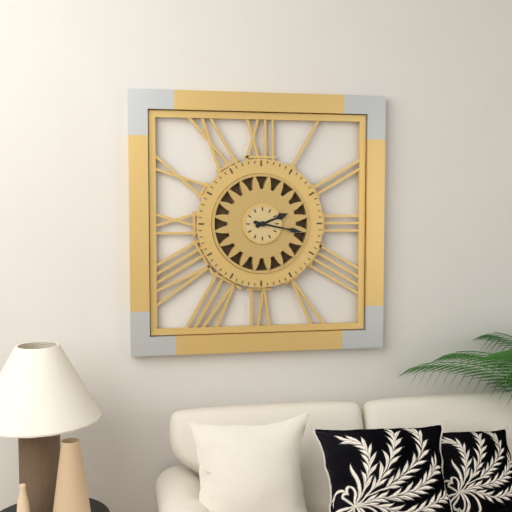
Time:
**2:17**
